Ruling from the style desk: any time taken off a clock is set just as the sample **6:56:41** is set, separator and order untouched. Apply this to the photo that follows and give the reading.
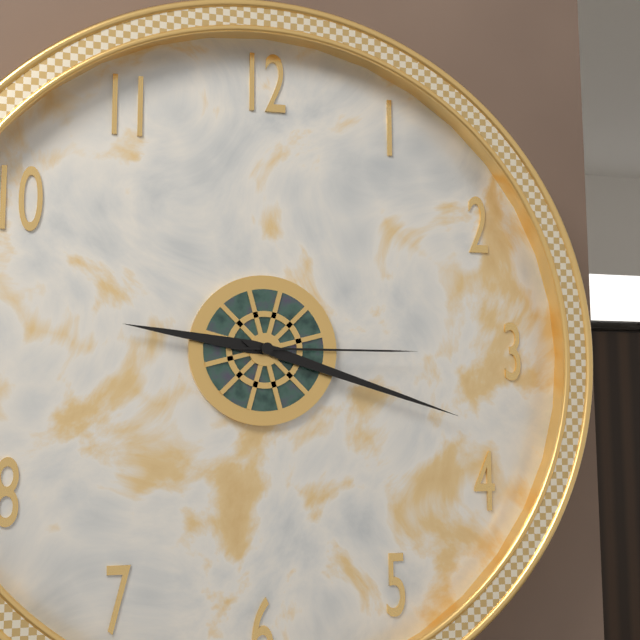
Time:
**9:18:15**
